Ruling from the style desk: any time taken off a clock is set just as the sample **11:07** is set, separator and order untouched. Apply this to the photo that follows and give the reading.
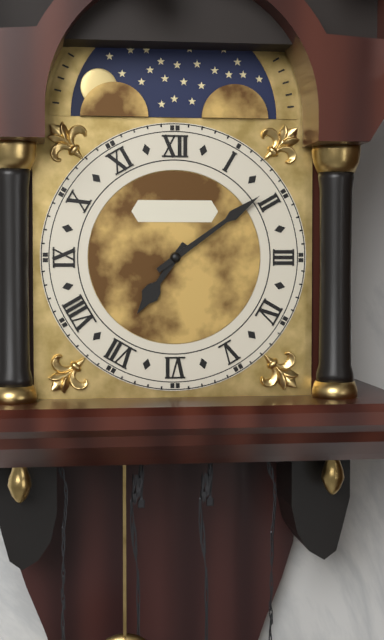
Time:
**7:09**
